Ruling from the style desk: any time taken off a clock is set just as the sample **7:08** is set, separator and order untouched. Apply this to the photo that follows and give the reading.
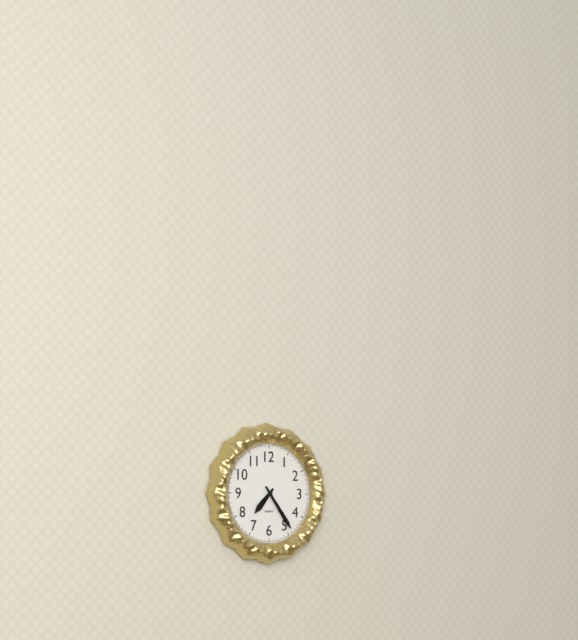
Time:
**7:24**
